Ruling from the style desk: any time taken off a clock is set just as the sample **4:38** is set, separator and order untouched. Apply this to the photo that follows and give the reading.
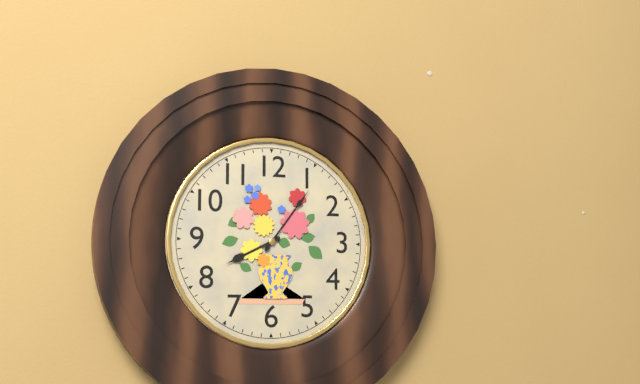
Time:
**8:06**
